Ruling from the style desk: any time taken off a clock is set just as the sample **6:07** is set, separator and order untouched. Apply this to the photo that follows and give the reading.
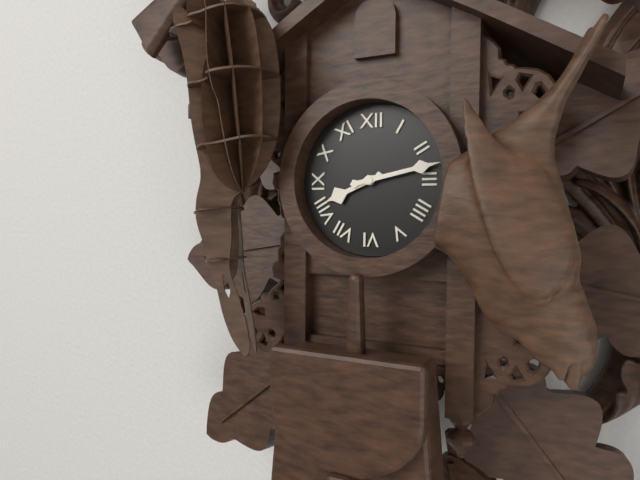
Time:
**8:13**
